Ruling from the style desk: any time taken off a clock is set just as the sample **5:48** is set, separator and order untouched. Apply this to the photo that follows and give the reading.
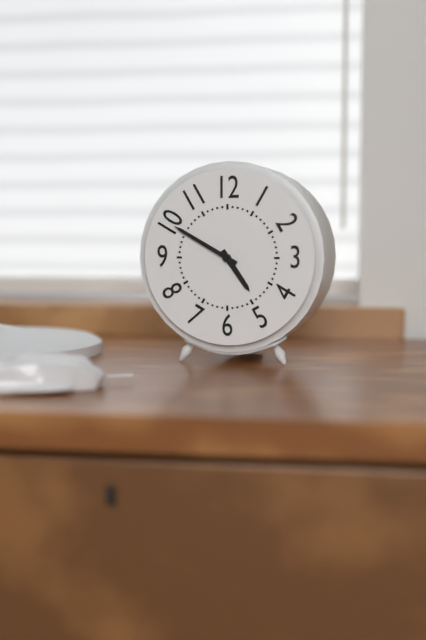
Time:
**4:50**
